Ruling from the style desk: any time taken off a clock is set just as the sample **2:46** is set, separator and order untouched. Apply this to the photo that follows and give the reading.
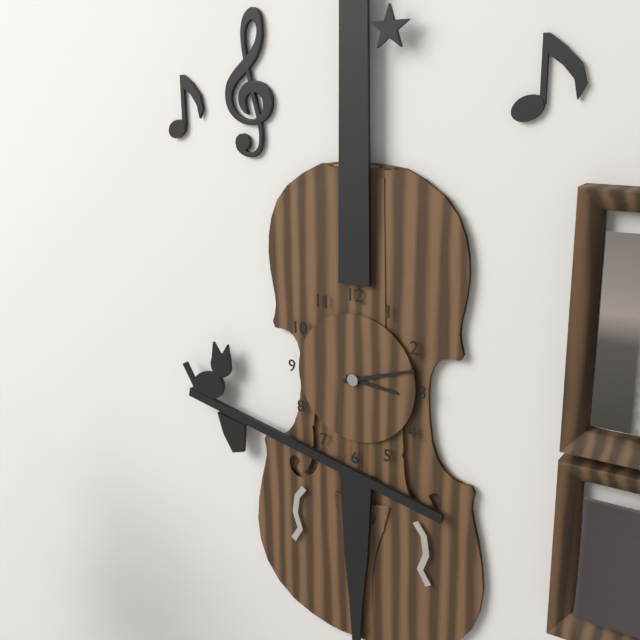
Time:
**3:12**
